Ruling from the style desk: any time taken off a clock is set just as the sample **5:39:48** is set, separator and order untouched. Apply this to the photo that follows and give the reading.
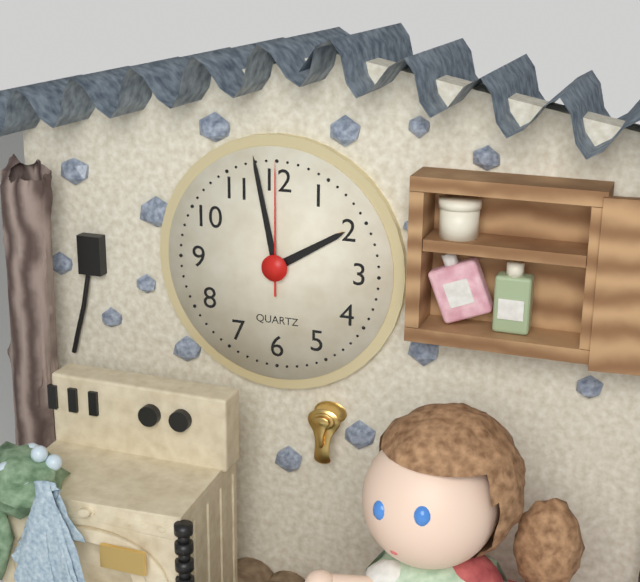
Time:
**1:58:00**
